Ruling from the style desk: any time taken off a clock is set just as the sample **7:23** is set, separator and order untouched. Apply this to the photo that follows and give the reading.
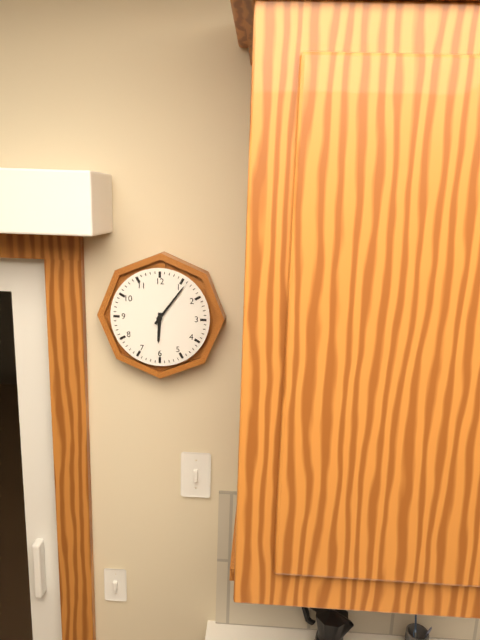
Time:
**6:06**
